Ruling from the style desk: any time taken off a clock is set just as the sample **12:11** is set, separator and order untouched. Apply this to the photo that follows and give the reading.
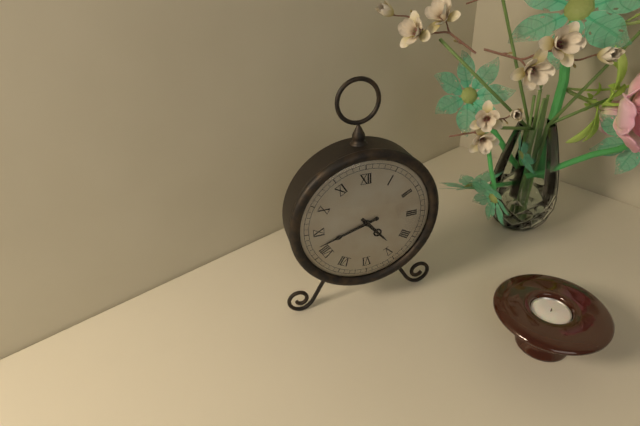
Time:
**4:42**
